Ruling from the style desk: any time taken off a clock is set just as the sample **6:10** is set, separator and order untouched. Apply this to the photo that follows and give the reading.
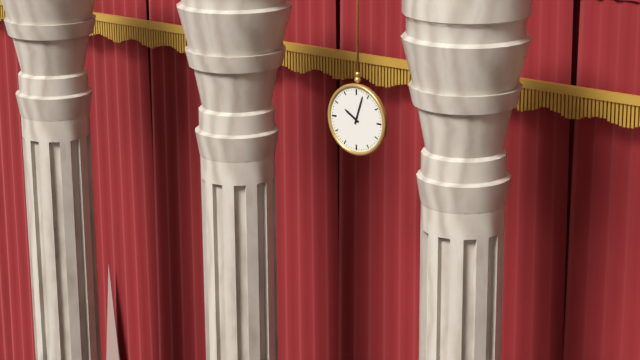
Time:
**10:03**
